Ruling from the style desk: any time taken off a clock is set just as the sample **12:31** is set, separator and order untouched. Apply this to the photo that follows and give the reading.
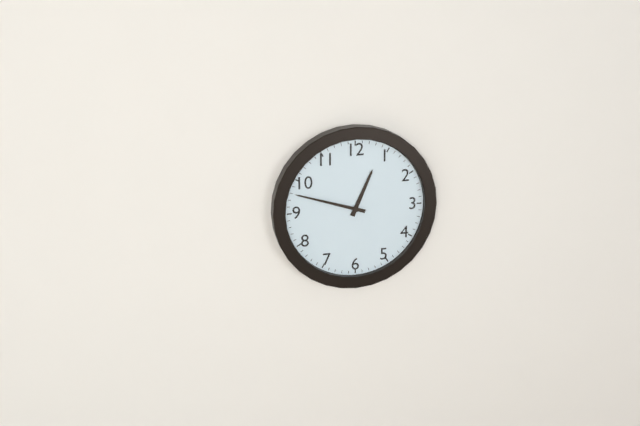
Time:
**12:48**
